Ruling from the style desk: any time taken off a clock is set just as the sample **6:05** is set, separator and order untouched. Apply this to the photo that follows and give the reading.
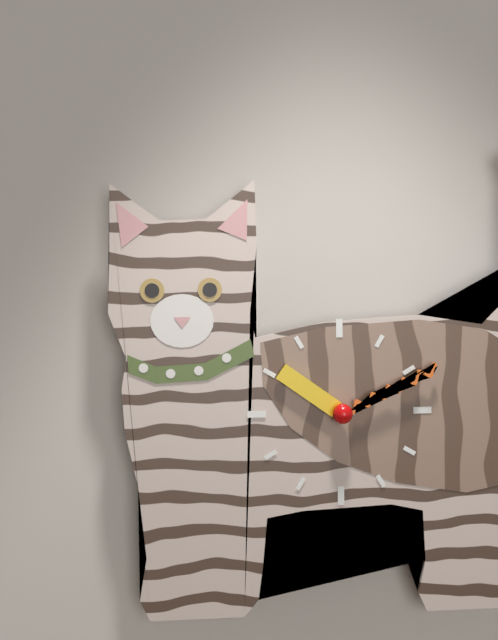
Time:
**10:11**
